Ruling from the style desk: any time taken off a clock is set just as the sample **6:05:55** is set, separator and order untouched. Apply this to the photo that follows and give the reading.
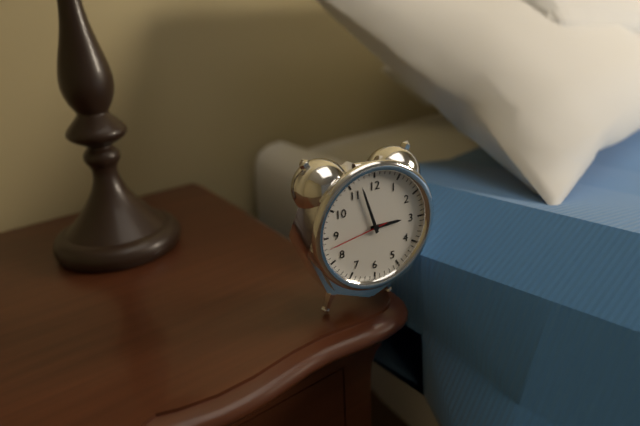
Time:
**2:57:43**
